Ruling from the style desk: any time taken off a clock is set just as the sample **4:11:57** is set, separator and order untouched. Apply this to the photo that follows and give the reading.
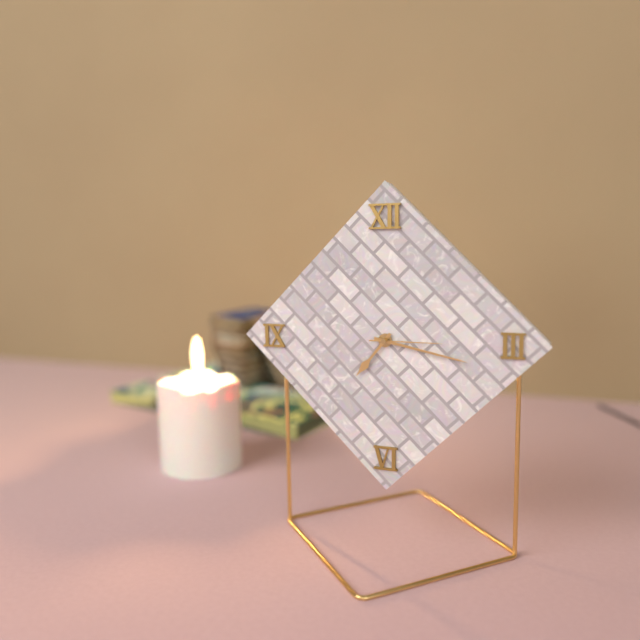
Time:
**7:17:15**
